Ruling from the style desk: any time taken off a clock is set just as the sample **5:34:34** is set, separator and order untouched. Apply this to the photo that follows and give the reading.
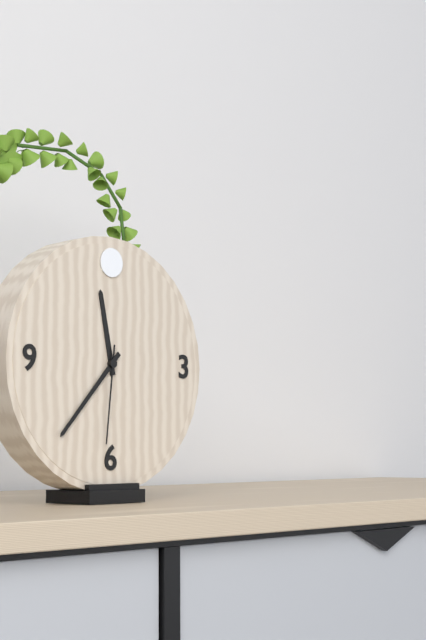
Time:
**11:37:31**
